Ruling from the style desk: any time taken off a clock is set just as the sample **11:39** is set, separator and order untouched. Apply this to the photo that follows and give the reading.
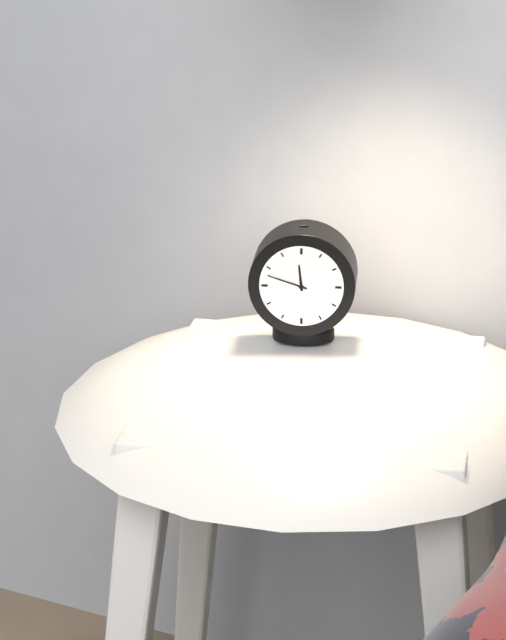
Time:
**11:48**
